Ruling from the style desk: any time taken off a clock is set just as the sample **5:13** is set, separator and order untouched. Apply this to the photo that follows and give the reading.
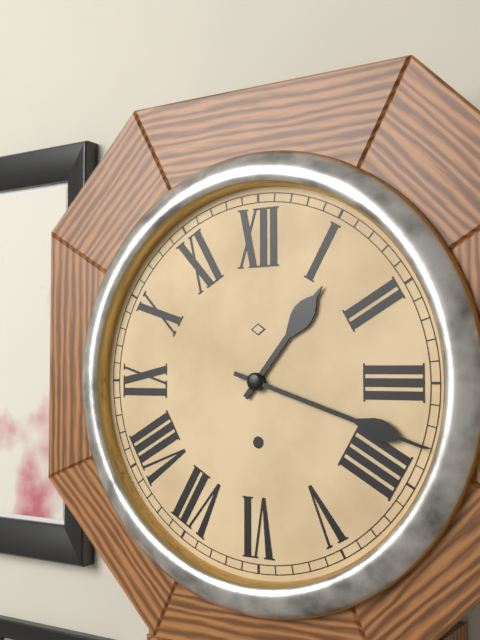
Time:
**1:18**
